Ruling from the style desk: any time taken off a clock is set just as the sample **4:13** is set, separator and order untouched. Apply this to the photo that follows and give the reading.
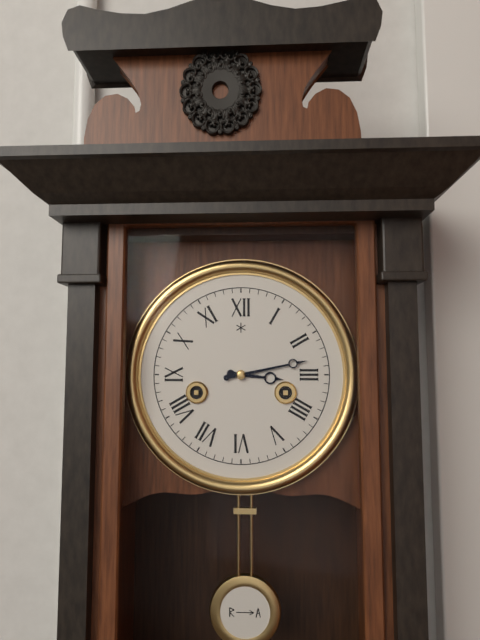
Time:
**3:13**
